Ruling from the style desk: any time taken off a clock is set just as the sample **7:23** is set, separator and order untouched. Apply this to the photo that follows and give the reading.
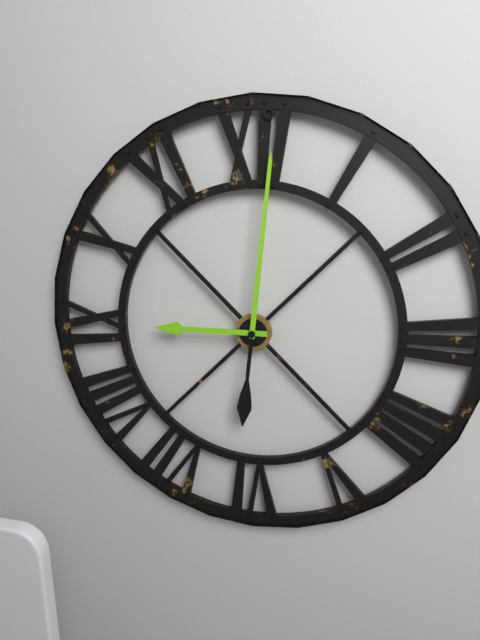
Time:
**9:01**
